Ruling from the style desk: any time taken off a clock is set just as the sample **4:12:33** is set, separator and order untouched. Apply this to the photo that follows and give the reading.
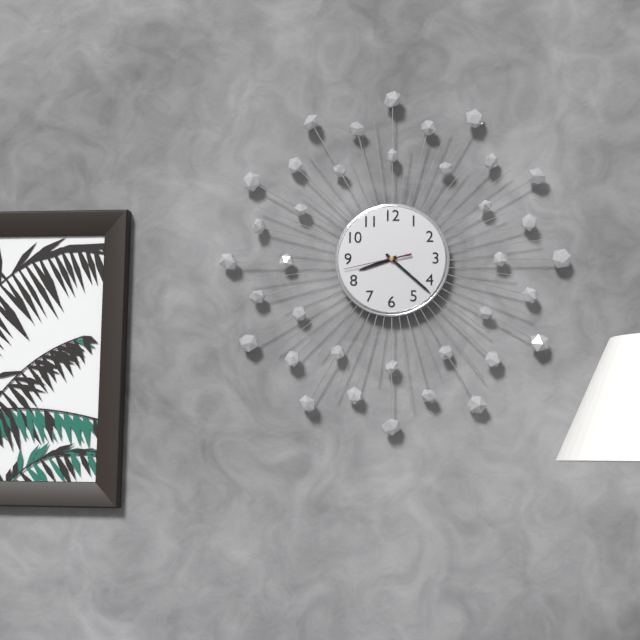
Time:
**8:22:43**
